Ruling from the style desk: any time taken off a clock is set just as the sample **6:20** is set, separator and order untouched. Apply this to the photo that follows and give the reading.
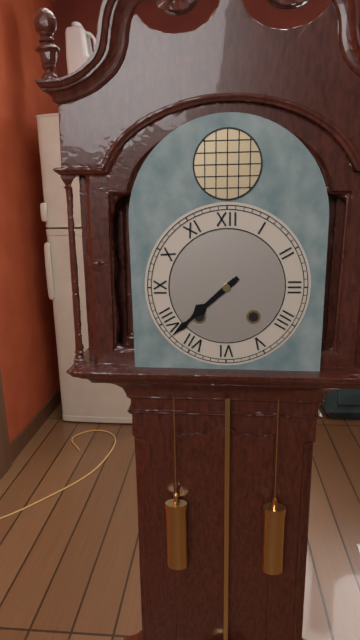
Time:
**7:38**
